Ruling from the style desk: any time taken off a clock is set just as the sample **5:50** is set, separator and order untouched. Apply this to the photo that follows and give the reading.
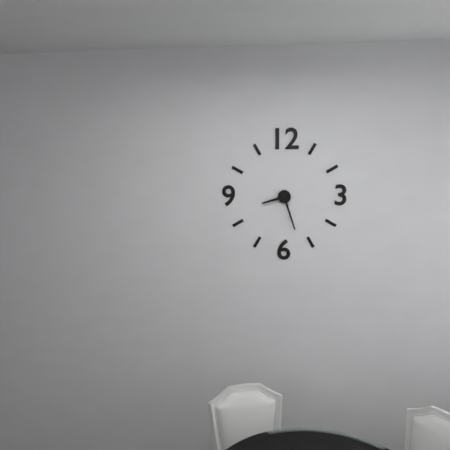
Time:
**8:27**
